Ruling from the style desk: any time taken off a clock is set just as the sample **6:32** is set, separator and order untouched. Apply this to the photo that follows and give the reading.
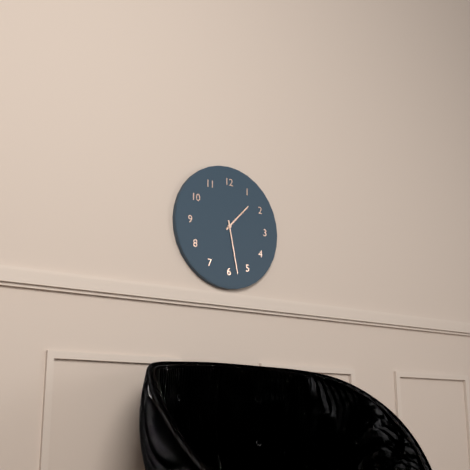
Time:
**1:28**
